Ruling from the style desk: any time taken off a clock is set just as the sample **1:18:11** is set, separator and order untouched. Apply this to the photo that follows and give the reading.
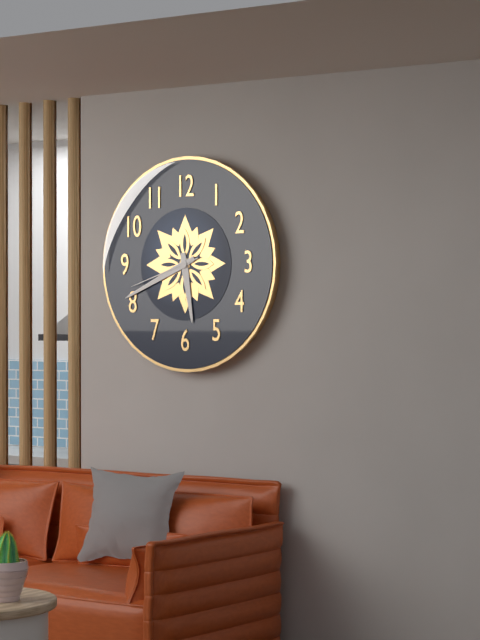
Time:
**5:41:42**
